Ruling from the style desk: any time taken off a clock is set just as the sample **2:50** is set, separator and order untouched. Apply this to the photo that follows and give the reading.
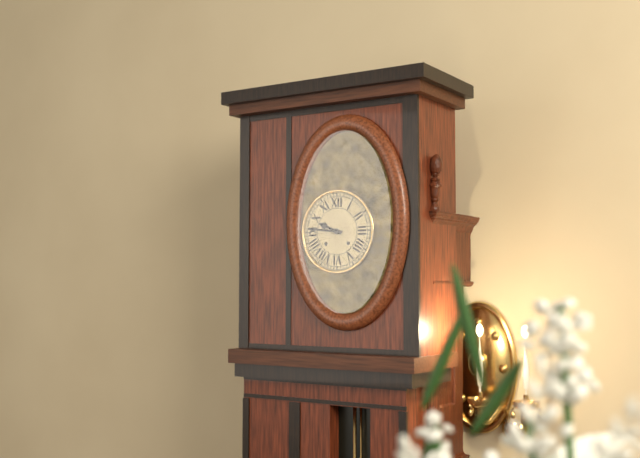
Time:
**9:46**
